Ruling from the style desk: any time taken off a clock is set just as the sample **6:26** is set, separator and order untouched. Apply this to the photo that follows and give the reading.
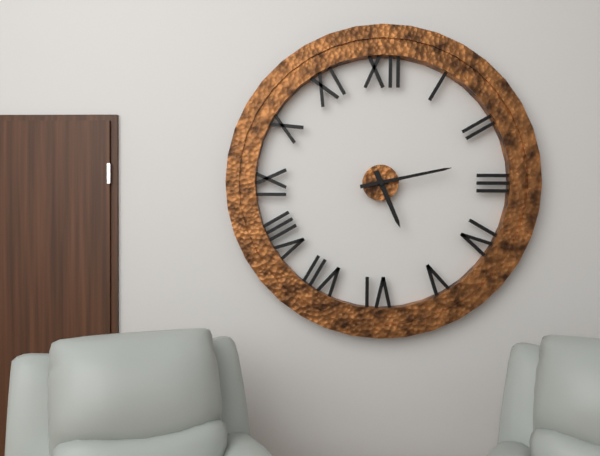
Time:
**5:13**
